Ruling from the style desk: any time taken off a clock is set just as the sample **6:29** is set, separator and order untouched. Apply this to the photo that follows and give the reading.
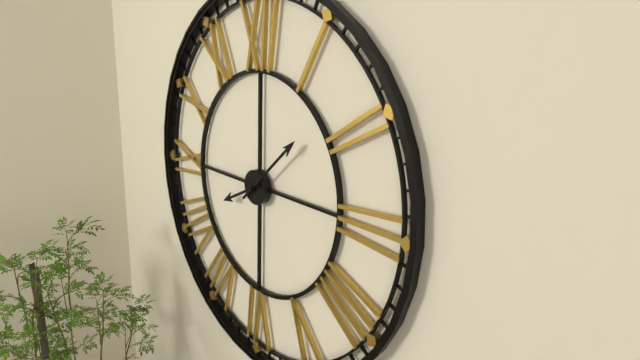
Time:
**8:08**
